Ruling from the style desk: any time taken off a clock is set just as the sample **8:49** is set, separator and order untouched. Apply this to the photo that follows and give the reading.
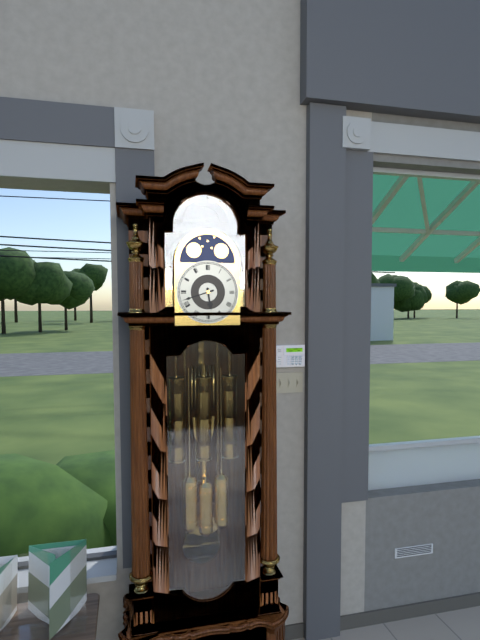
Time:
**5:42**
